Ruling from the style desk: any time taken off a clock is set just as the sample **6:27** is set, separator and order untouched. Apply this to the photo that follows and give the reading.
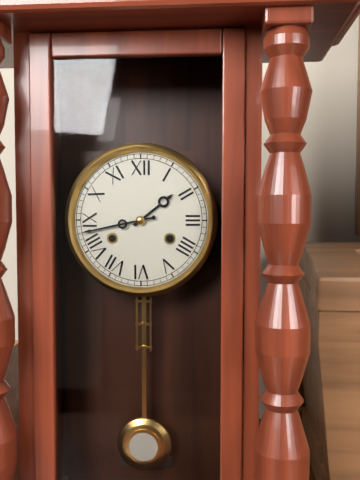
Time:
**1:43**
